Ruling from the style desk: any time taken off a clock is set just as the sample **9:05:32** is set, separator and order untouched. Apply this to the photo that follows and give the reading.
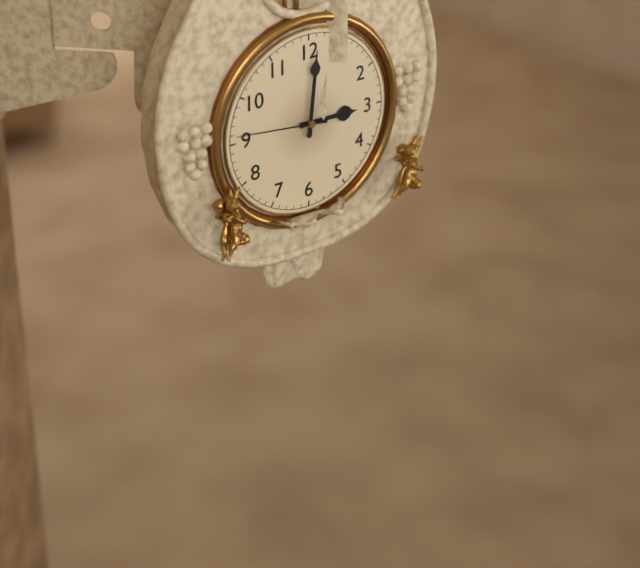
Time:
**3:01:46**
